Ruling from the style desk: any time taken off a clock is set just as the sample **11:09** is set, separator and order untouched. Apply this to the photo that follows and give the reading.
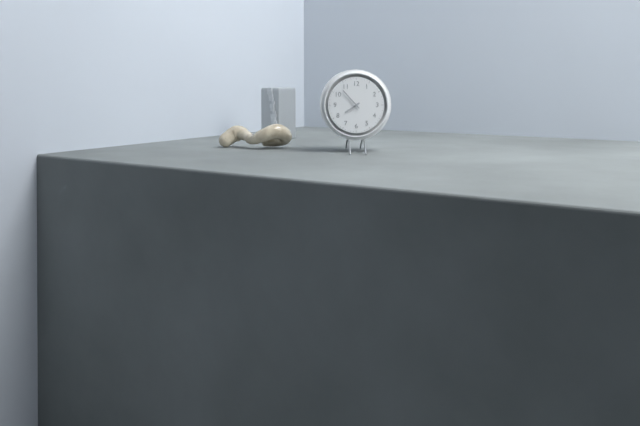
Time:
**7:53**
